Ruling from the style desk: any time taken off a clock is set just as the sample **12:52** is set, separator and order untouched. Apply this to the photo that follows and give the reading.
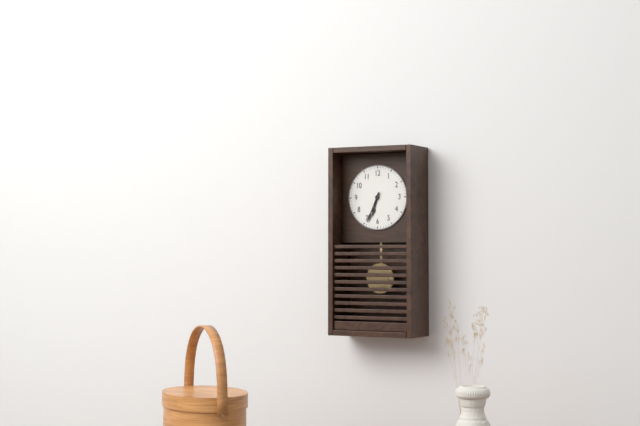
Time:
**6:34**
